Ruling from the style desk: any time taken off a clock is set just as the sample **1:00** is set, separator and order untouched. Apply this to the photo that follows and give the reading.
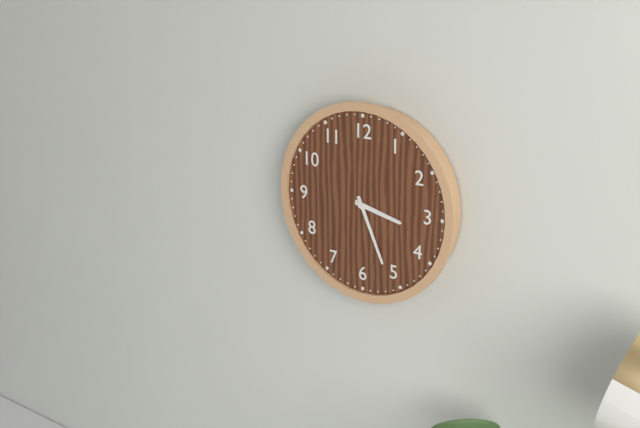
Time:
**3:26**
